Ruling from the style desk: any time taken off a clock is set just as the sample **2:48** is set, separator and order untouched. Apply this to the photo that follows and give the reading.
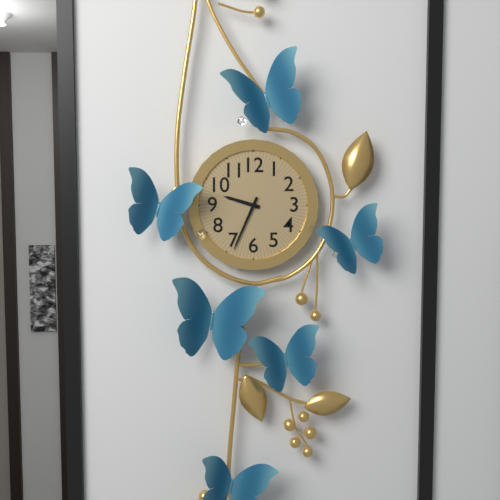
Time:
**9:34**
